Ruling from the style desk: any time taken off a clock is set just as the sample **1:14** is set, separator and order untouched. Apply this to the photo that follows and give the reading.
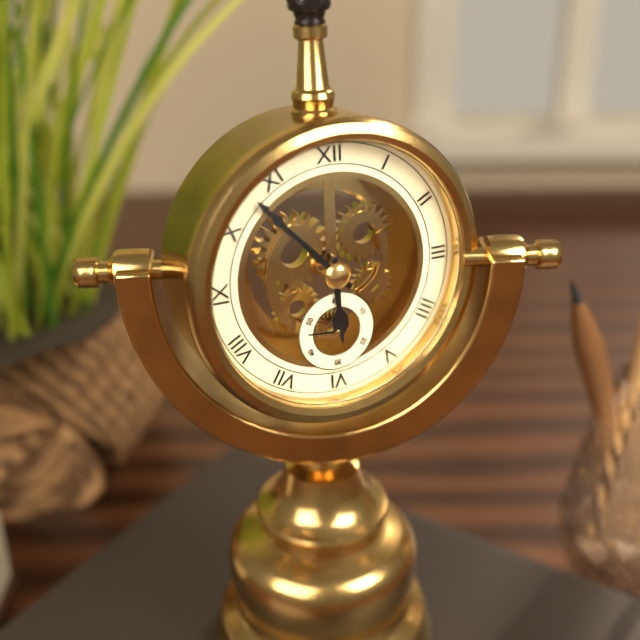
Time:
**5:53**
